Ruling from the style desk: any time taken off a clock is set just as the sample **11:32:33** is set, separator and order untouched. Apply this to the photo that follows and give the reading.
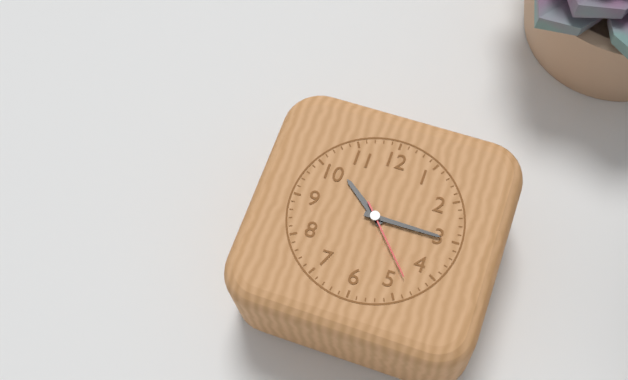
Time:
**10:15:23**
